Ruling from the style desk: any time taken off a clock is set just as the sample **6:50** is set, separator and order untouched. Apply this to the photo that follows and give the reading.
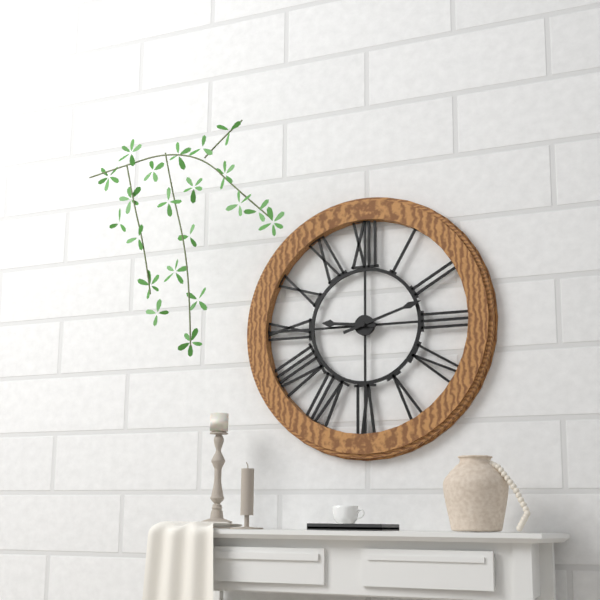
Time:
**9:12**
